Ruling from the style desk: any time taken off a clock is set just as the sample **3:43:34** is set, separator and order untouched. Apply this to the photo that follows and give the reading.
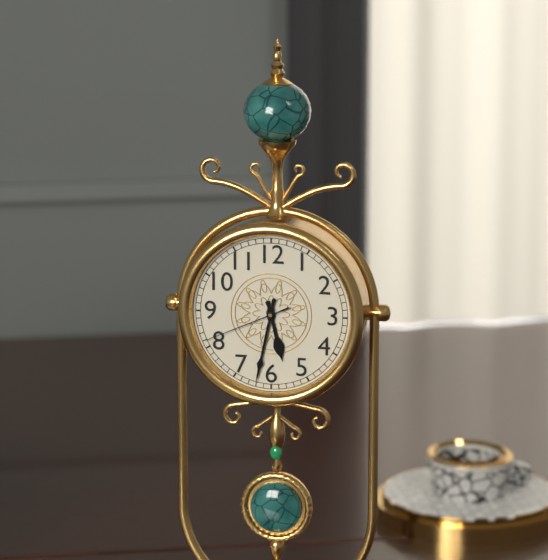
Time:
**5:32:41**
